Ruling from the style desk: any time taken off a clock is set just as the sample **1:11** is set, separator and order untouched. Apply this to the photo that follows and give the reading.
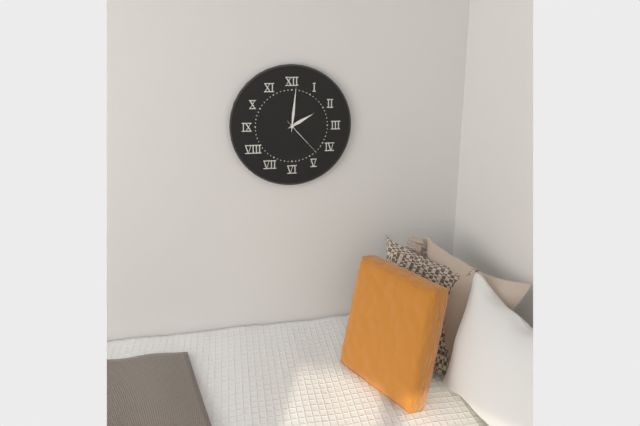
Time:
**2:01**
